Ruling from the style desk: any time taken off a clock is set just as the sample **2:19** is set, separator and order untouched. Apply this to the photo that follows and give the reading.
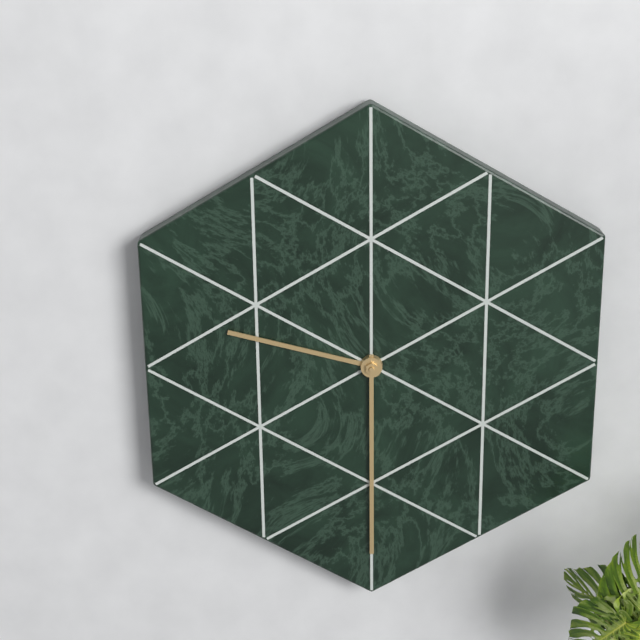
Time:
**9:30**
